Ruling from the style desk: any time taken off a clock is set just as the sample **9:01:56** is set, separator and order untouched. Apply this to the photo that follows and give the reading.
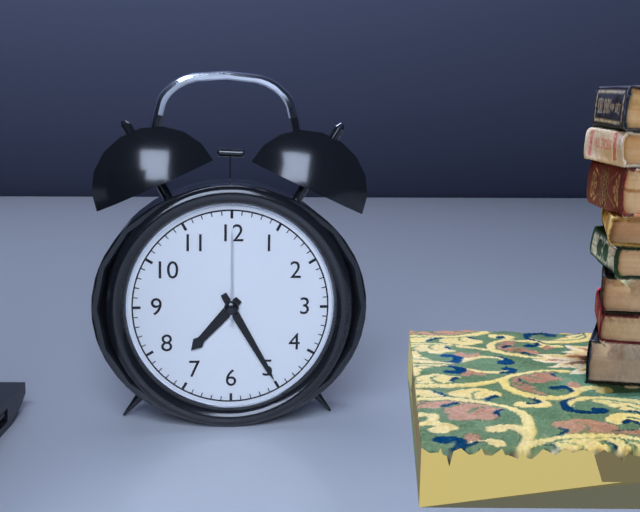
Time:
**7:25:00**
